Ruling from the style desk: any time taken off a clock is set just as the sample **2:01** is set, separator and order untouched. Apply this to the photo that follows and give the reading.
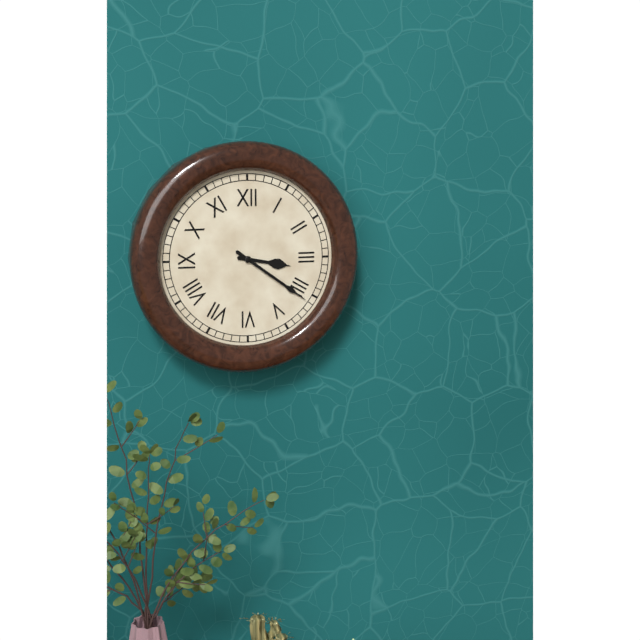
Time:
**3:21**
